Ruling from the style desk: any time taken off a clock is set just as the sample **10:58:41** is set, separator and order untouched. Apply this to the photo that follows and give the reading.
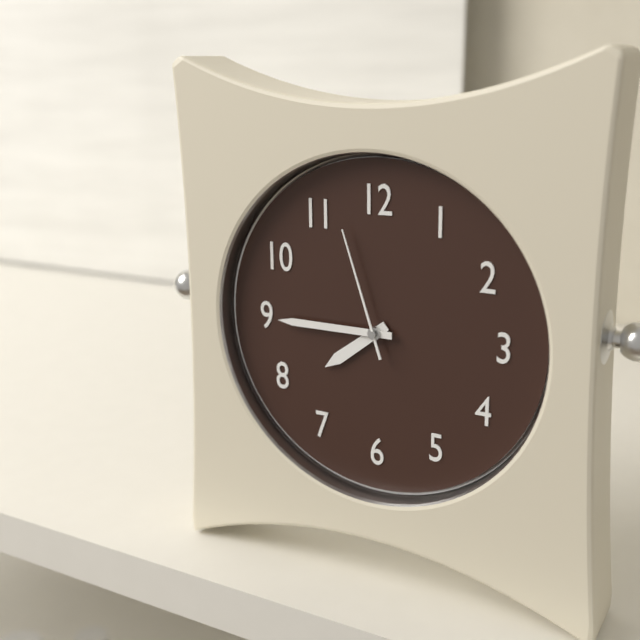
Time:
**7:45:57**
